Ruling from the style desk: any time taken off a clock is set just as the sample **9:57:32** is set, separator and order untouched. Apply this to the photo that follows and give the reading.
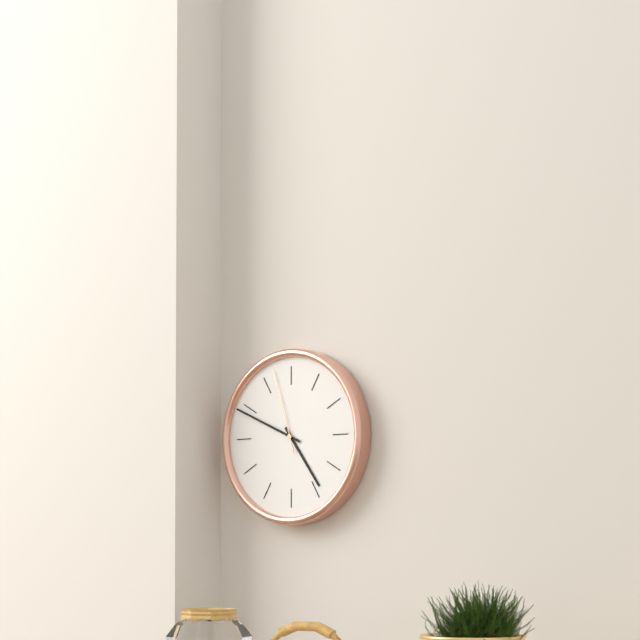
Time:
**4:49:57**
